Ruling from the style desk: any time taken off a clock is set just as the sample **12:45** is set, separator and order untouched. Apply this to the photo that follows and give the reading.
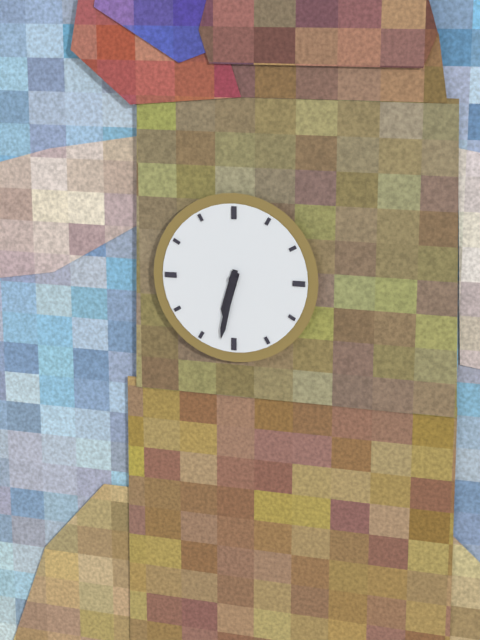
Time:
**6:32**
